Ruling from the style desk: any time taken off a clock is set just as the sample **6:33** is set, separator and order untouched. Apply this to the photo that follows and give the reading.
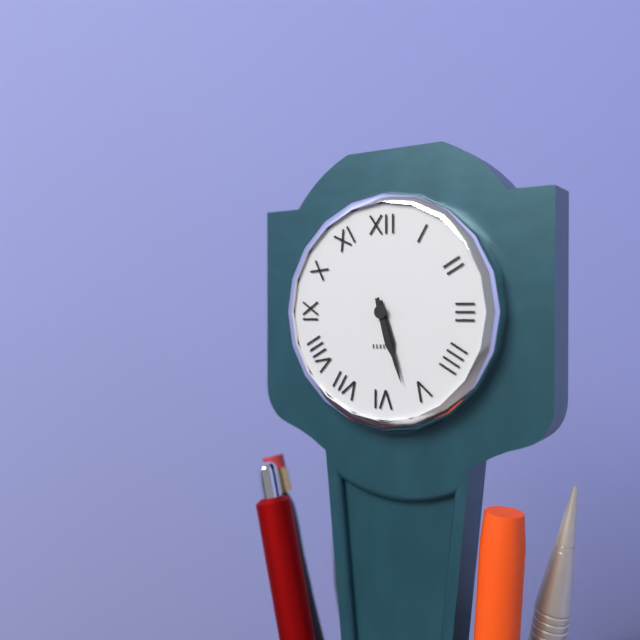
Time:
**5:27**
